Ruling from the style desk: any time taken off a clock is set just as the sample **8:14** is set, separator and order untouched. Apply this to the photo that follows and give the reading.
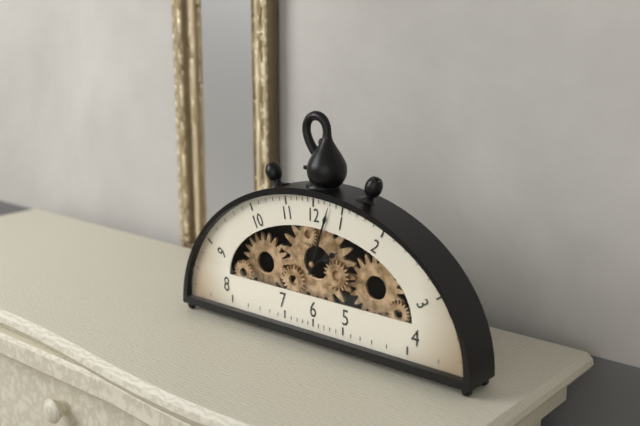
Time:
**2:03**
